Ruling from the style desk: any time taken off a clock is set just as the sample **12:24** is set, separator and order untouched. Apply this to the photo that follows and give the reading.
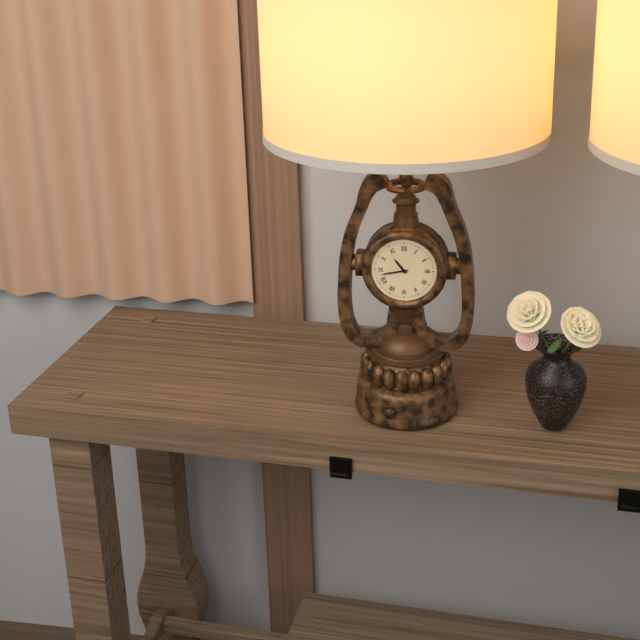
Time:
**10:43**
